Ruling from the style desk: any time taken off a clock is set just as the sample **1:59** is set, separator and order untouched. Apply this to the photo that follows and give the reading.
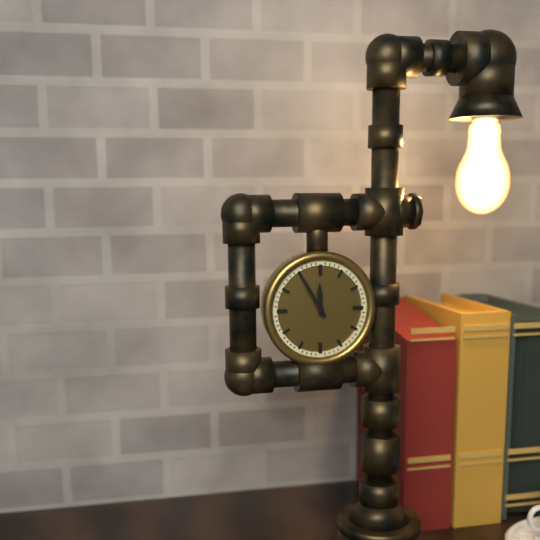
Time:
**11:55**
